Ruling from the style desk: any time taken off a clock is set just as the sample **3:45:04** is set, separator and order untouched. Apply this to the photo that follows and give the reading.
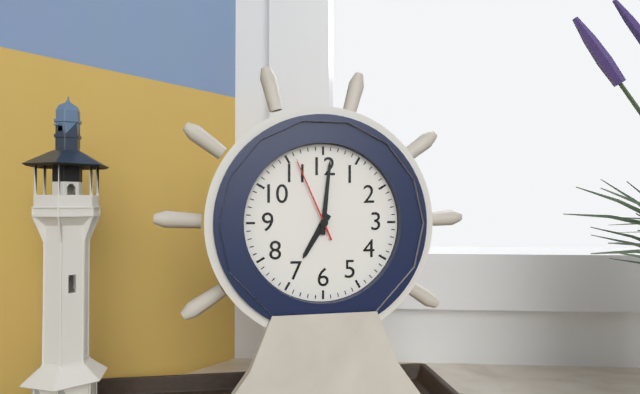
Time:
**7:01:56**
